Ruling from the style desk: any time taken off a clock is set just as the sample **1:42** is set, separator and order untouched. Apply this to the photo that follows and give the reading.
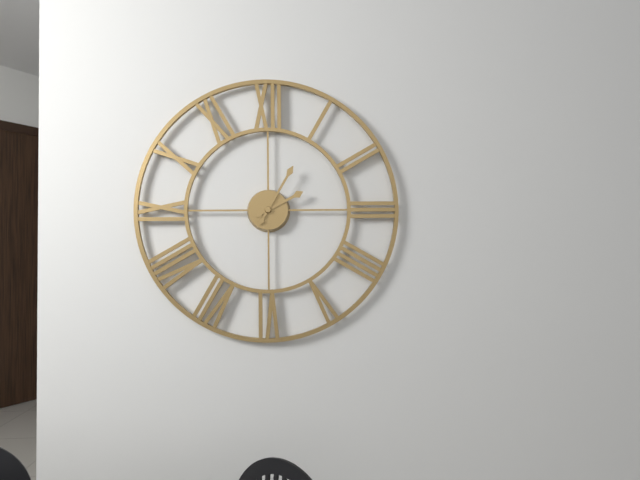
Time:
**2:05**
